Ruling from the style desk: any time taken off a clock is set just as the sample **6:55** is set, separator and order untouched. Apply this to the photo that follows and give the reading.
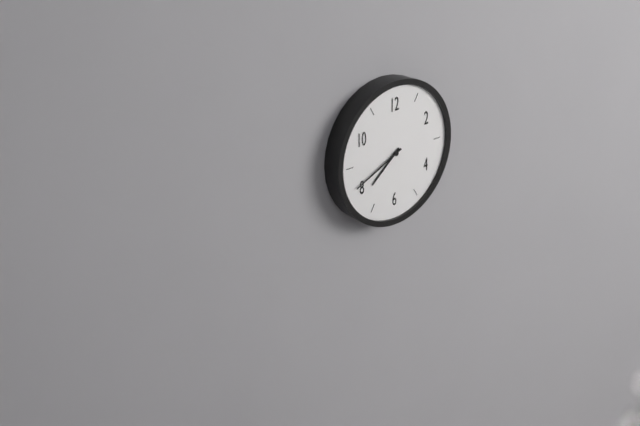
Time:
**7:41**
